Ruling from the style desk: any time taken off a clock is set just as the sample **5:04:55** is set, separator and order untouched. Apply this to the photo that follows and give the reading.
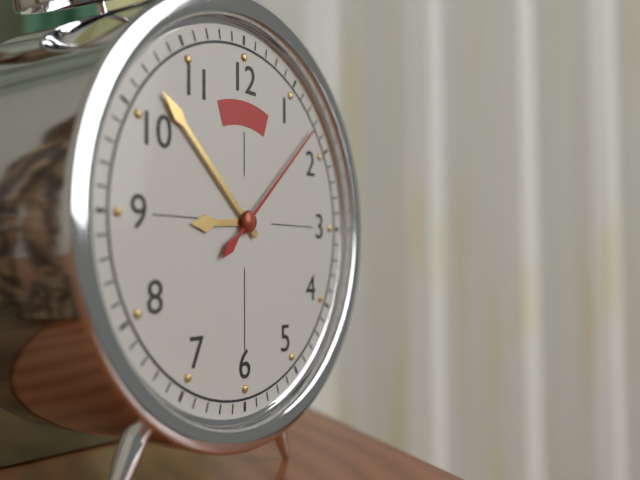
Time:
**8:52:08**
